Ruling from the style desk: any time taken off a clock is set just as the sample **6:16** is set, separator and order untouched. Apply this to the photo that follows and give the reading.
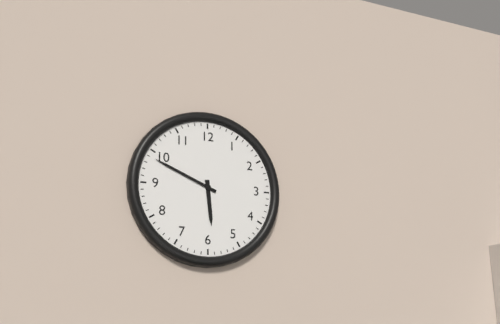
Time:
**5:49**
